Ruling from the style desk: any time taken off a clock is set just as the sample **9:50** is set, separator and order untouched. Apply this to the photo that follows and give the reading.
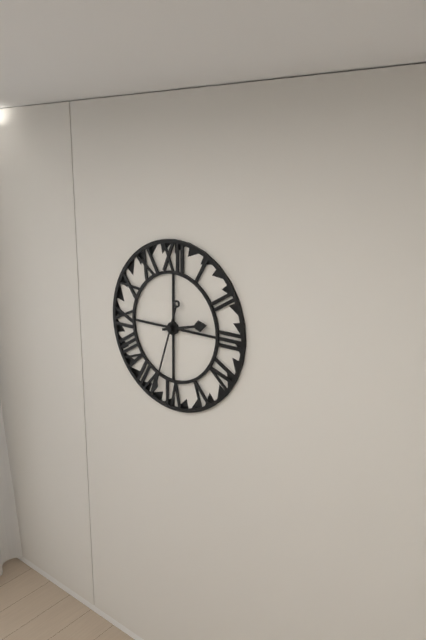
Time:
**2:33**
